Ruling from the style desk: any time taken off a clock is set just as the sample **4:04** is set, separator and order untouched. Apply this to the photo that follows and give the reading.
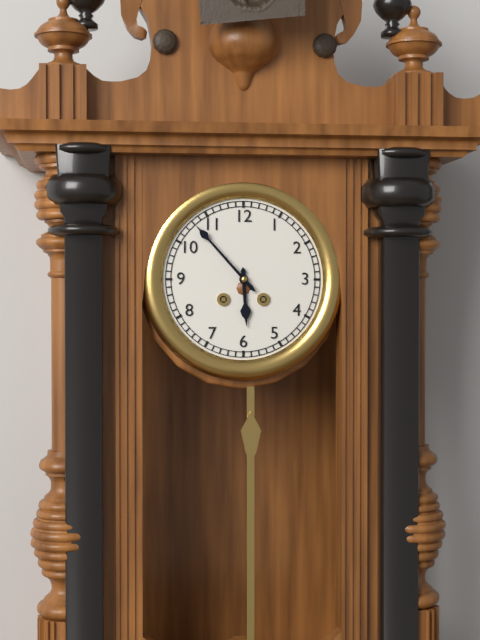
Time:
**5:53**
